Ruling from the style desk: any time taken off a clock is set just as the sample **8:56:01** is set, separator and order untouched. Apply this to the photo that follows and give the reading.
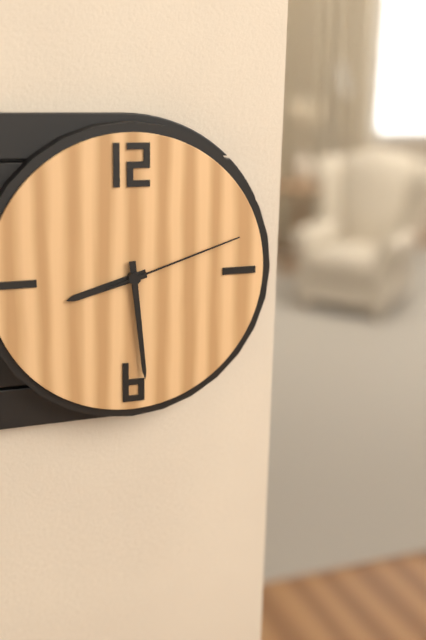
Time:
**8:29:12**
